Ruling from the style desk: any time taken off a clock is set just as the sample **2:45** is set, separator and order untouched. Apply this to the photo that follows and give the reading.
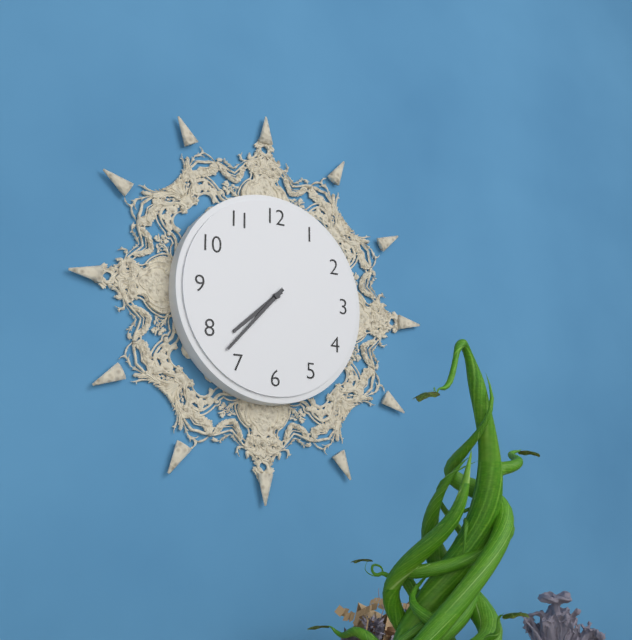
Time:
**7:37**
